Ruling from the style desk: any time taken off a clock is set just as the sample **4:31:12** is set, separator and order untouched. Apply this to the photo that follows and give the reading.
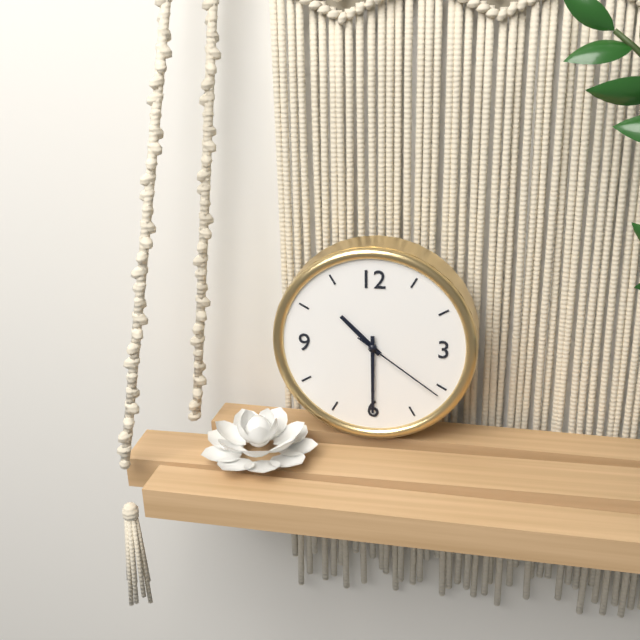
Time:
**10:30:21**
